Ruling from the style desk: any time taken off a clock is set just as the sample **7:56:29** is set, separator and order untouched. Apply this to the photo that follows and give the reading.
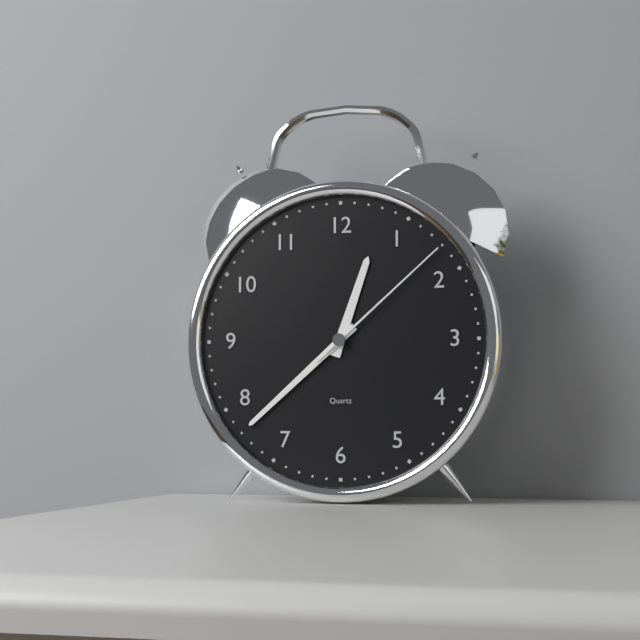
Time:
**12:38:08**
